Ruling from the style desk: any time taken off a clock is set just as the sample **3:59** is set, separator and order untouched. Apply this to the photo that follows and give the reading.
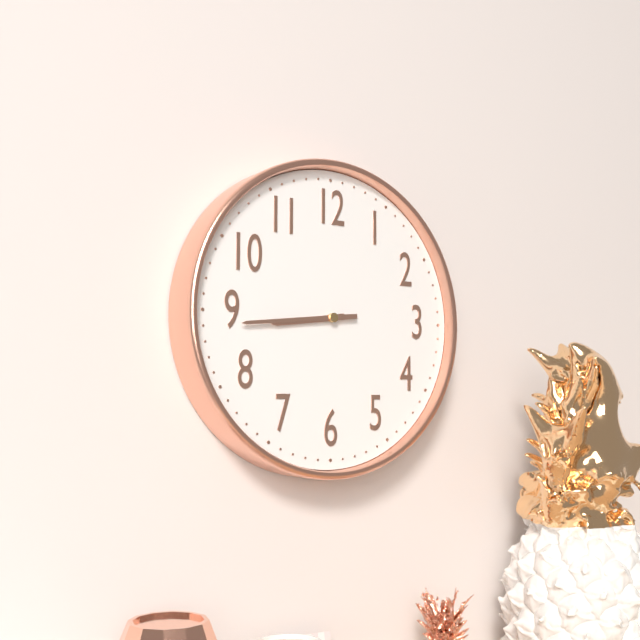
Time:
**8:44**
